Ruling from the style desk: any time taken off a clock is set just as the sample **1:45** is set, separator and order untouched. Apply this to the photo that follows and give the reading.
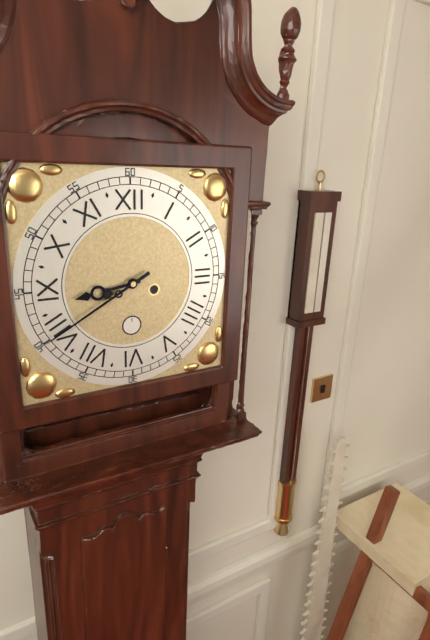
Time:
**8:40**
